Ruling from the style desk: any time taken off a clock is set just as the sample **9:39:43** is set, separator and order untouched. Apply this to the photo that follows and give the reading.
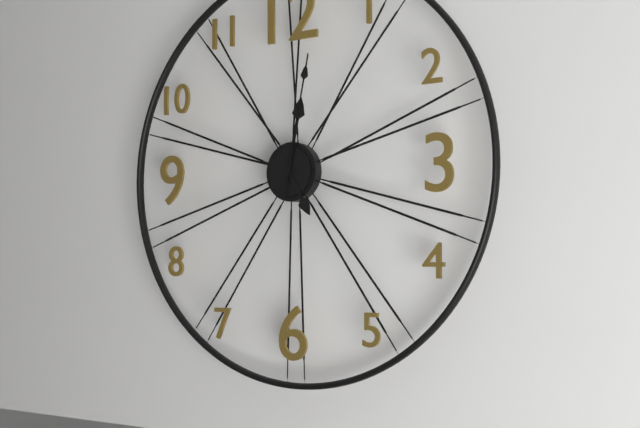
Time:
**5:02:02**
